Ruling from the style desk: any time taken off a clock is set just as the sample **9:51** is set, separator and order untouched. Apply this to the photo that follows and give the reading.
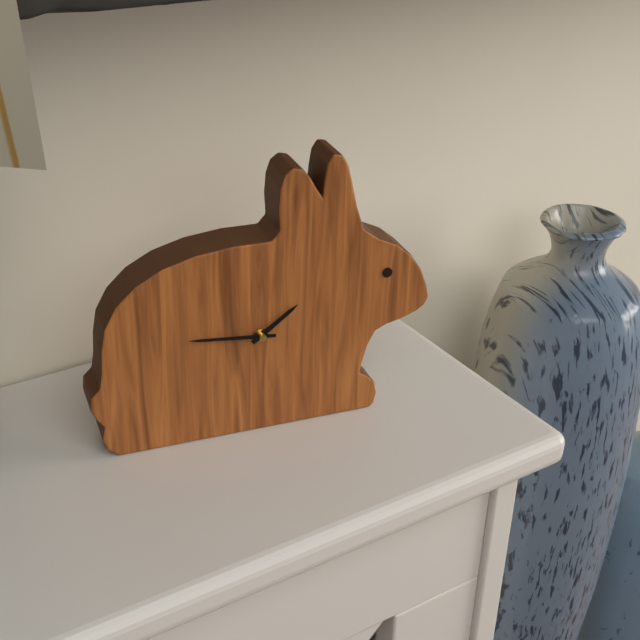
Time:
**1:46**
